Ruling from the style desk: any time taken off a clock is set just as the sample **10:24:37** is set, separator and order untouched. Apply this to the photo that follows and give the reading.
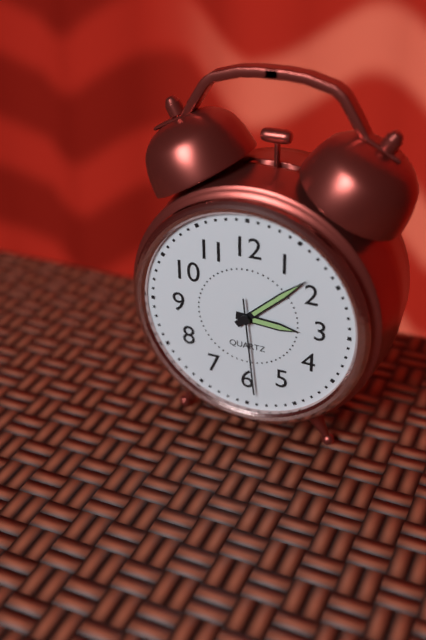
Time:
**3:08:29**
